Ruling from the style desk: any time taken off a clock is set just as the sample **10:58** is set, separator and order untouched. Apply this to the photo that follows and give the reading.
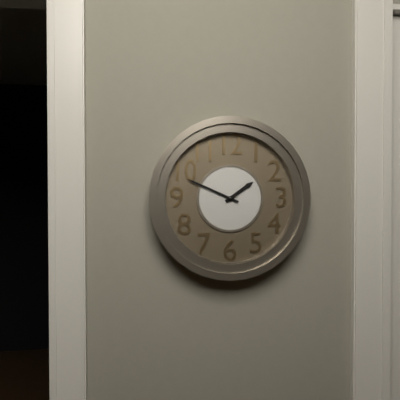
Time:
**1:49**
